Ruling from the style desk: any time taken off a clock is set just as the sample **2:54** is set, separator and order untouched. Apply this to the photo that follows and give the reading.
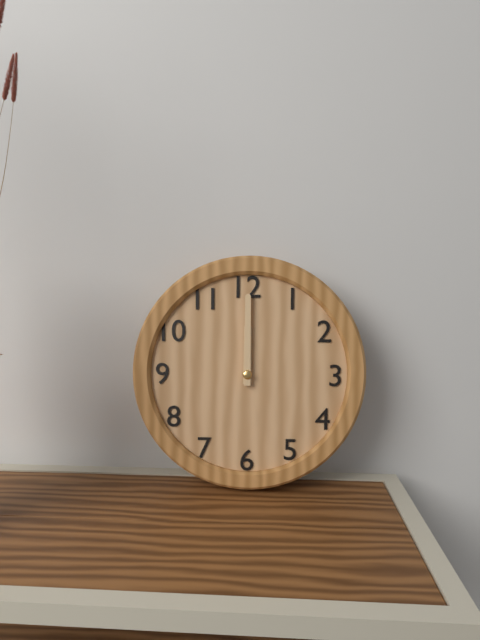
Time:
**12:00**
